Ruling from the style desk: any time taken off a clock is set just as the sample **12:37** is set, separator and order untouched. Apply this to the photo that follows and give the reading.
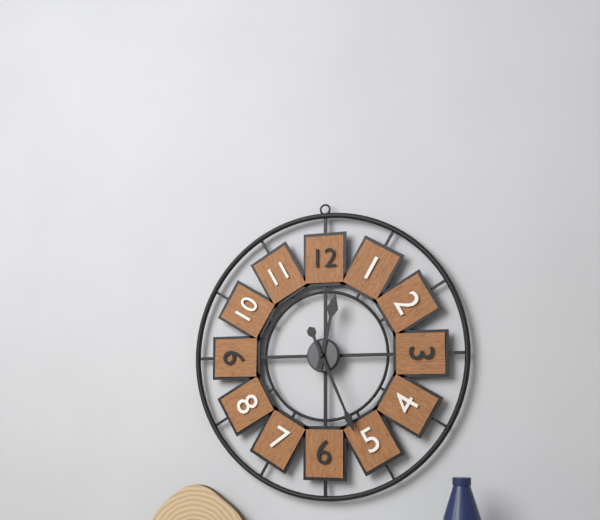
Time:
**12:26**
